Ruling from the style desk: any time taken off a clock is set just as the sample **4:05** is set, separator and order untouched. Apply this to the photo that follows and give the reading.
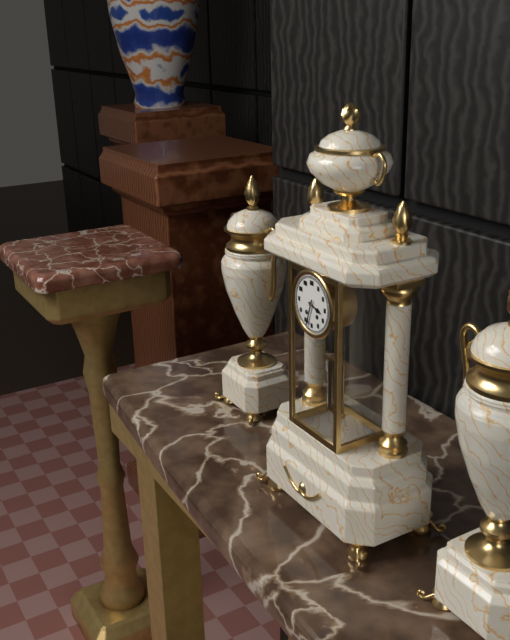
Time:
**3:33**
